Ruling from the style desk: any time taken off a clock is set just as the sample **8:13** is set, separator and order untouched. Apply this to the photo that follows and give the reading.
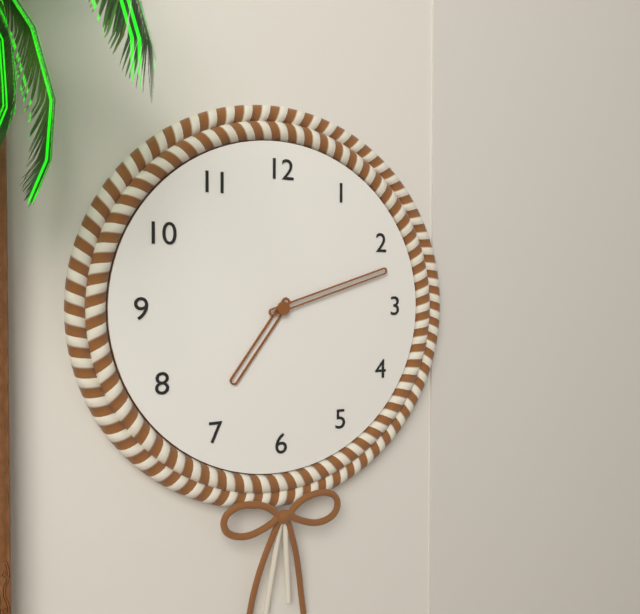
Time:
**7:12**
